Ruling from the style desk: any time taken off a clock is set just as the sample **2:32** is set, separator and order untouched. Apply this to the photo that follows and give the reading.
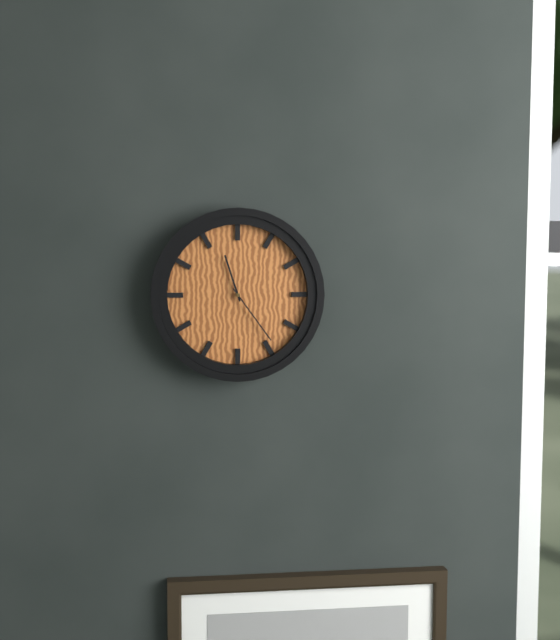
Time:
**11:24**
